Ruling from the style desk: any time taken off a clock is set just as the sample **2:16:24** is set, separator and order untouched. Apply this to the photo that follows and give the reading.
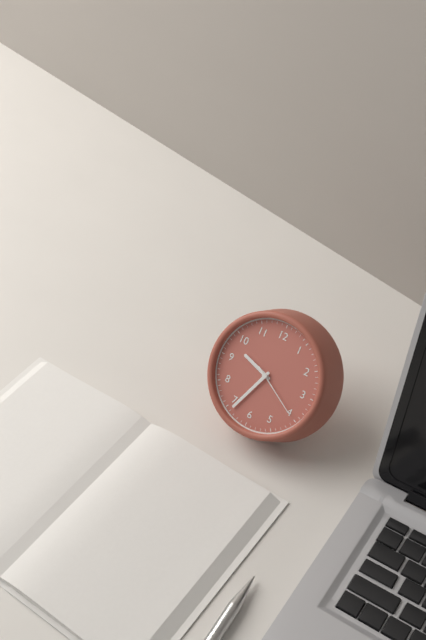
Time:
**9:34:20**
